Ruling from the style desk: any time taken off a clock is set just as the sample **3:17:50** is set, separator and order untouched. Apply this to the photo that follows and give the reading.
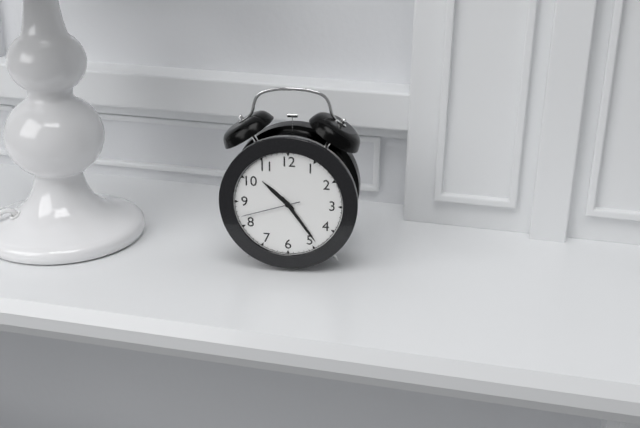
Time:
**10:24:42**
